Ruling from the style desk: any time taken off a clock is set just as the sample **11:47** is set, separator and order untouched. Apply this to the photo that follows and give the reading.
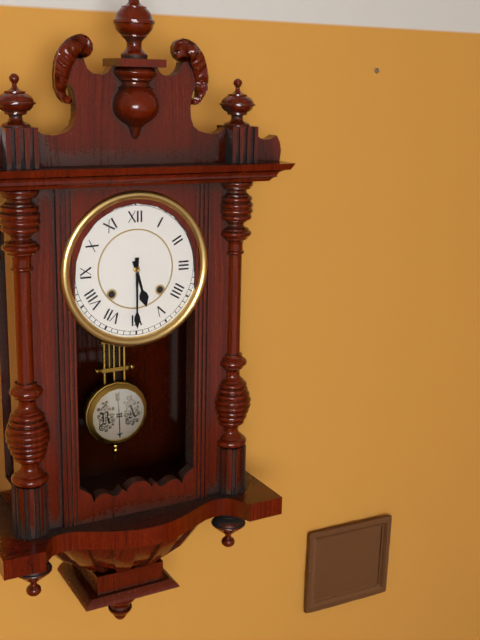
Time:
**5:30**
